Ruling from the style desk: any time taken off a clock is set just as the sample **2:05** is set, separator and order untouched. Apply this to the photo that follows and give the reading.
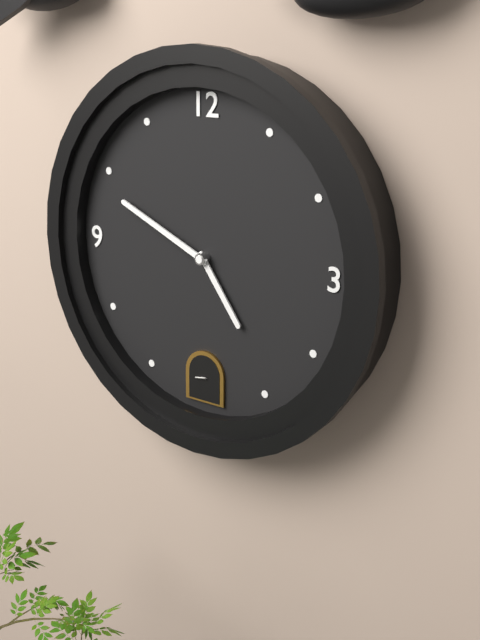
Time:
**4:49**
